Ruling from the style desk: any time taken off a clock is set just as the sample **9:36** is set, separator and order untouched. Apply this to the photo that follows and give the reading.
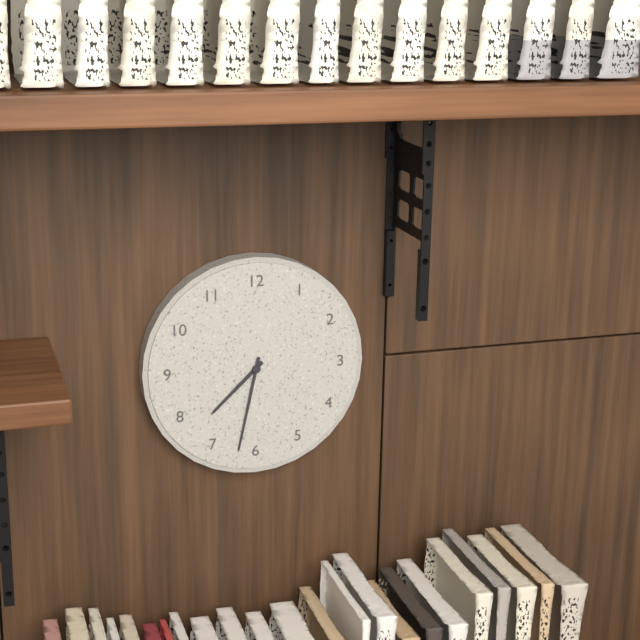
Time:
**7:32**
